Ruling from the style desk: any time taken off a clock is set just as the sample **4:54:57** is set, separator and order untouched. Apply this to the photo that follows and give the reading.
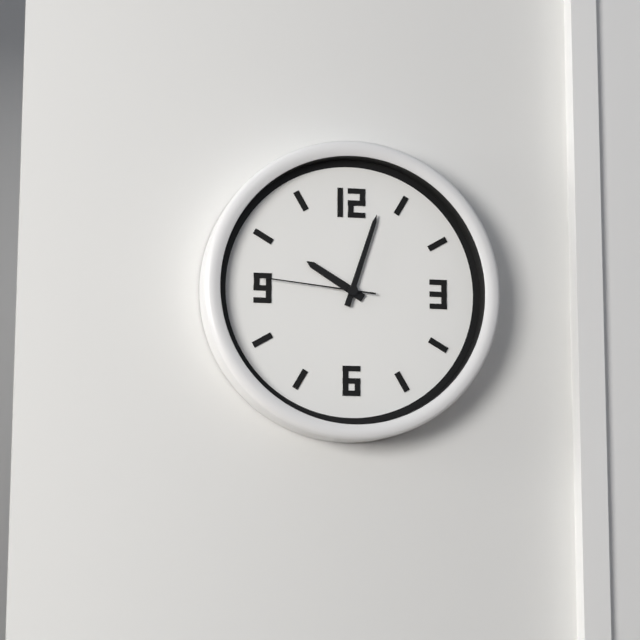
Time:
**10:03:46**
